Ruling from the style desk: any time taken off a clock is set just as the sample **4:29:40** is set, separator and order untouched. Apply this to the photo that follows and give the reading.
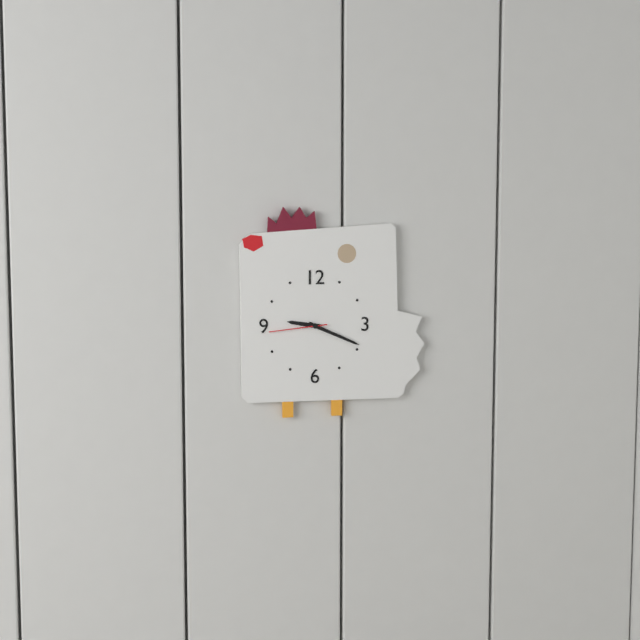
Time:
**9:19:44**
